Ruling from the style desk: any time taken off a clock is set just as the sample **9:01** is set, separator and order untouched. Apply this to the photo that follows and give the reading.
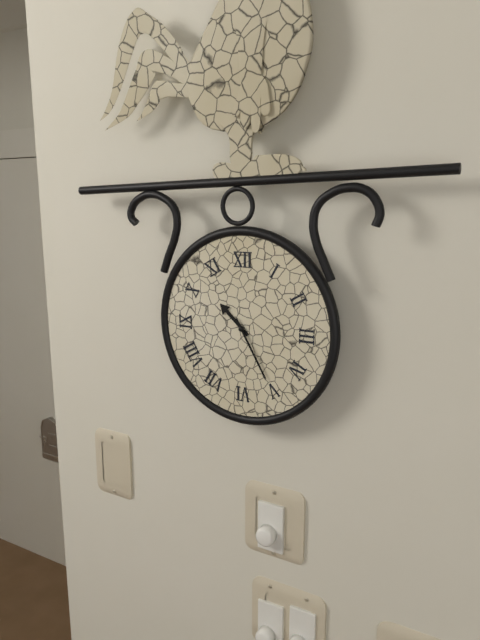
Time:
**10:25**
